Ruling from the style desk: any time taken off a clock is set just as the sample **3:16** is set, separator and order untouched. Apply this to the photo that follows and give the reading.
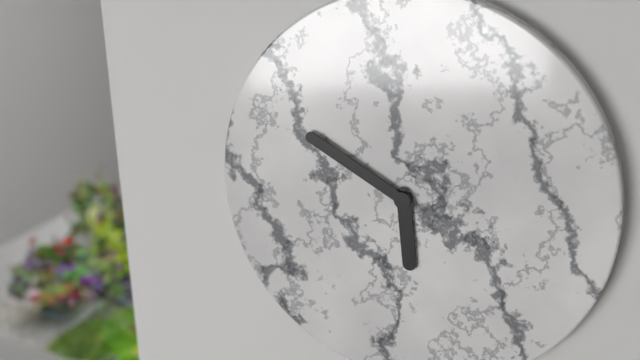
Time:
**5:50**
